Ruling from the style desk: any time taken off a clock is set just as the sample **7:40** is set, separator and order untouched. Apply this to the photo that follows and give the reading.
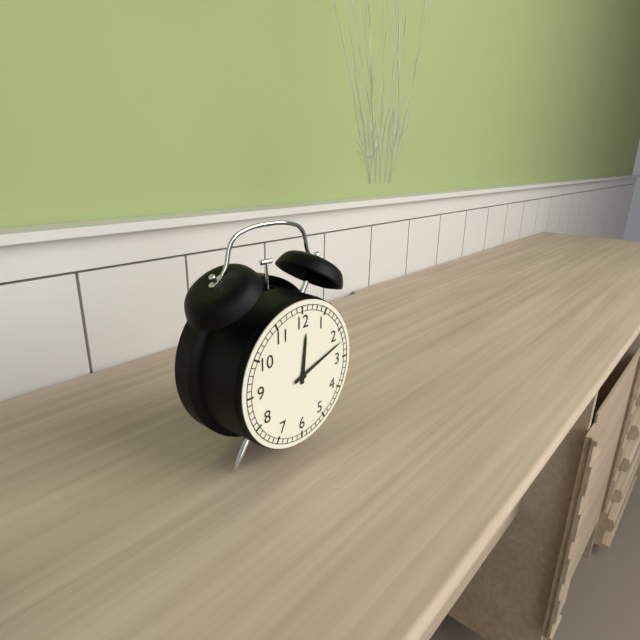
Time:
**12:12**
